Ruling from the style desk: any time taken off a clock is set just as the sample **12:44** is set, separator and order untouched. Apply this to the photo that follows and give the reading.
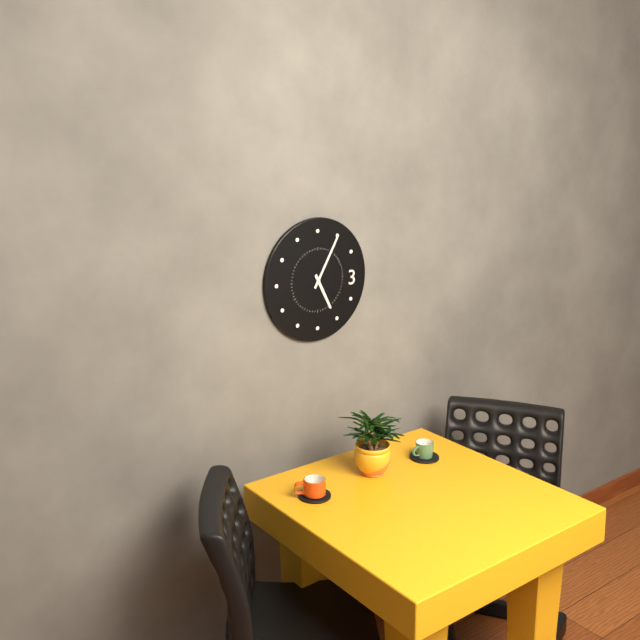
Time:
**5:05**
